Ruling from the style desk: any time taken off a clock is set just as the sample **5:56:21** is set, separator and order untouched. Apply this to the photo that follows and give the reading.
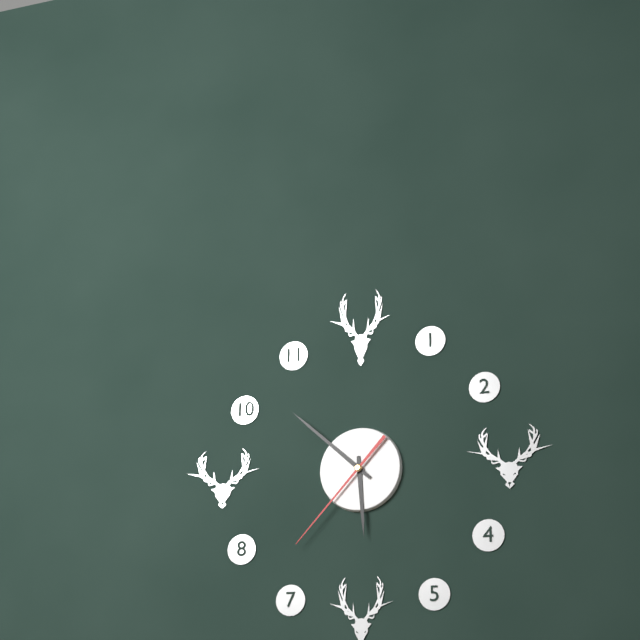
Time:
**5:52:37**
